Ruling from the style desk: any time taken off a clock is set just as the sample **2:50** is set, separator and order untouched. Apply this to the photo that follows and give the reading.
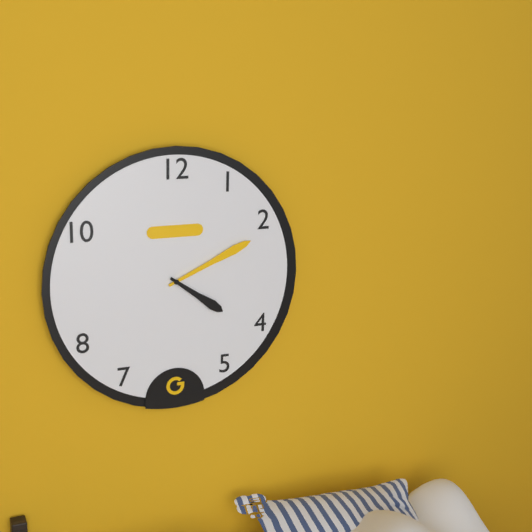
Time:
**4:11**
